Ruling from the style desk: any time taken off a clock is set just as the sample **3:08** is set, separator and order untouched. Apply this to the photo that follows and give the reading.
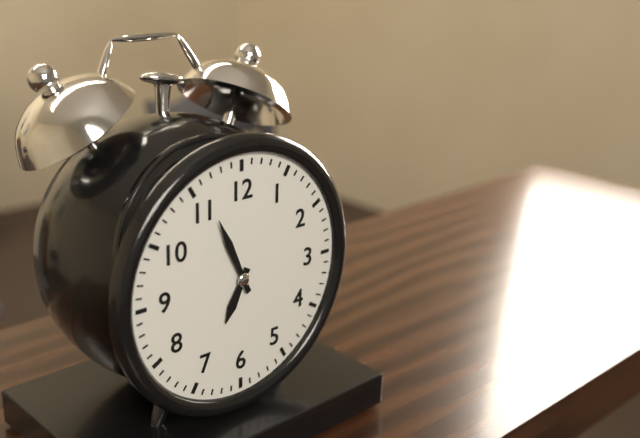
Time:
**6:56**
